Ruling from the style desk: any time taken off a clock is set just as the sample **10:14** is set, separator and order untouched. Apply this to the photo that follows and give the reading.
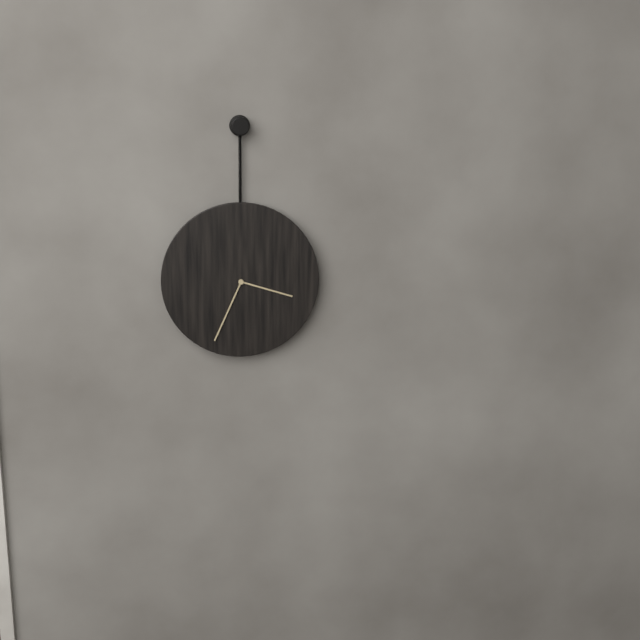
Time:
**3:34**
